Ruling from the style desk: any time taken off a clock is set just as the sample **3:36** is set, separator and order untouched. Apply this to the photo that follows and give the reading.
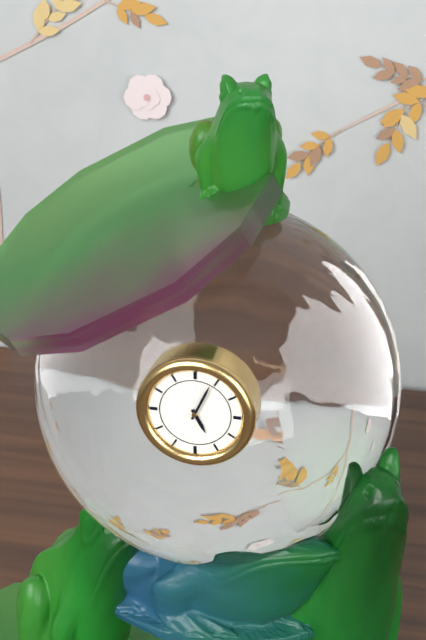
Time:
**5:04**
